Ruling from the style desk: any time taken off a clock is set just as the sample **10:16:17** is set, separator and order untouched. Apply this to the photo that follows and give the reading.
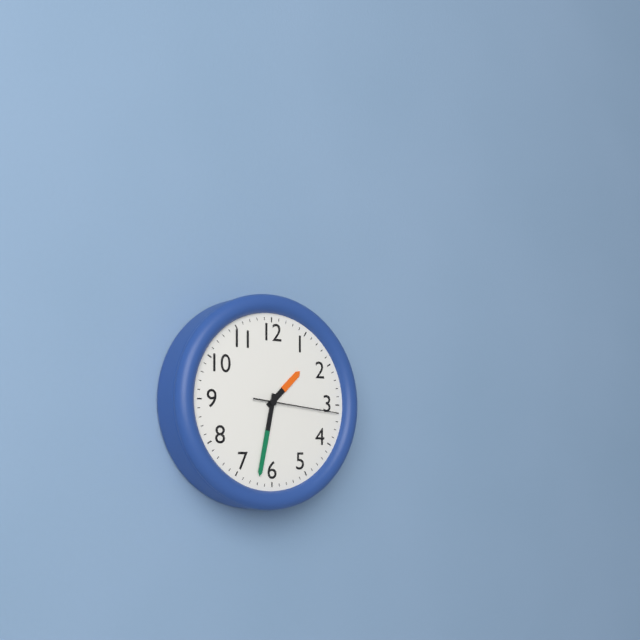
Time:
**1:32:16**
